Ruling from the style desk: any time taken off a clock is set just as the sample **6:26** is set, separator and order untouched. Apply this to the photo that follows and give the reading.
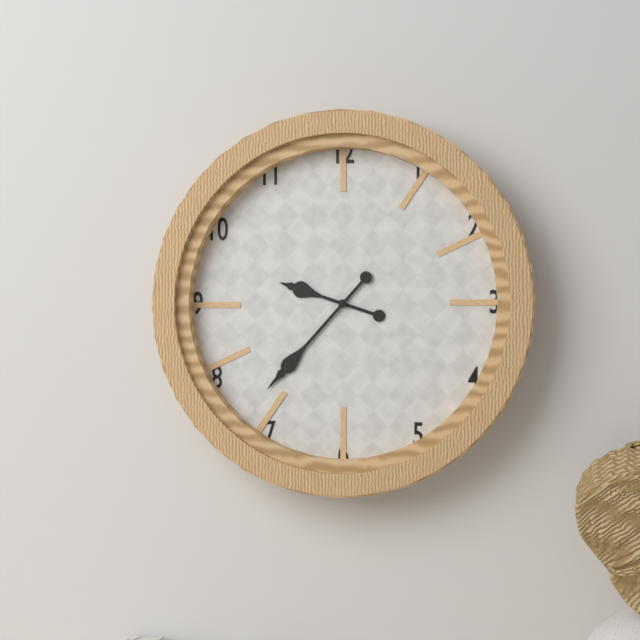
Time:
**9:37**
